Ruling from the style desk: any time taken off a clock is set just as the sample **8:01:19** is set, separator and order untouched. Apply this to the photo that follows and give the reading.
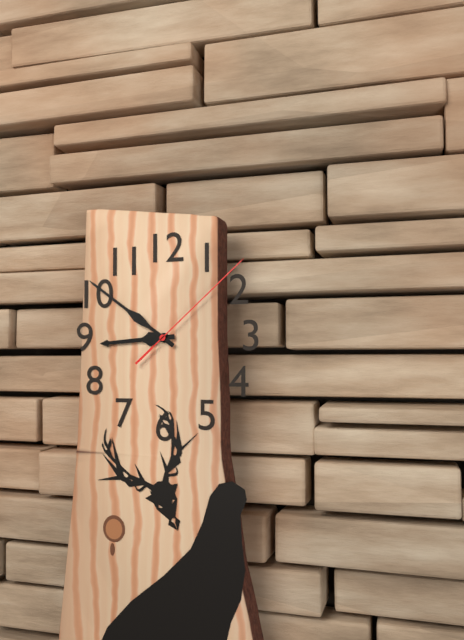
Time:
**8:51:08**
